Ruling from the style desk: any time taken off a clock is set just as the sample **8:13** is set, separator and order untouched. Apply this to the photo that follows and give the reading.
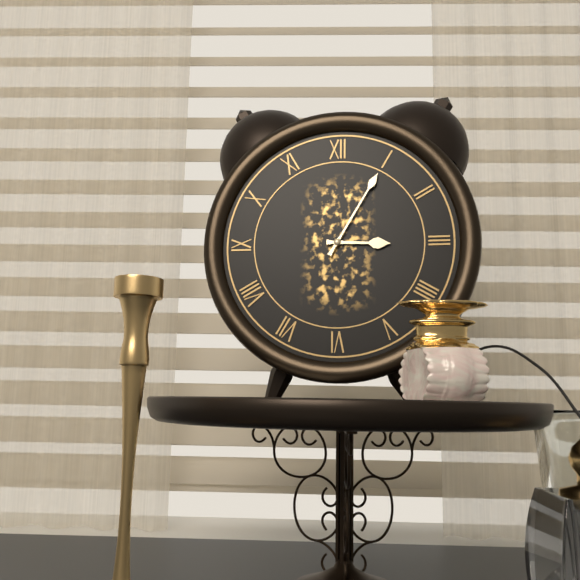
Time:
**3:05**
